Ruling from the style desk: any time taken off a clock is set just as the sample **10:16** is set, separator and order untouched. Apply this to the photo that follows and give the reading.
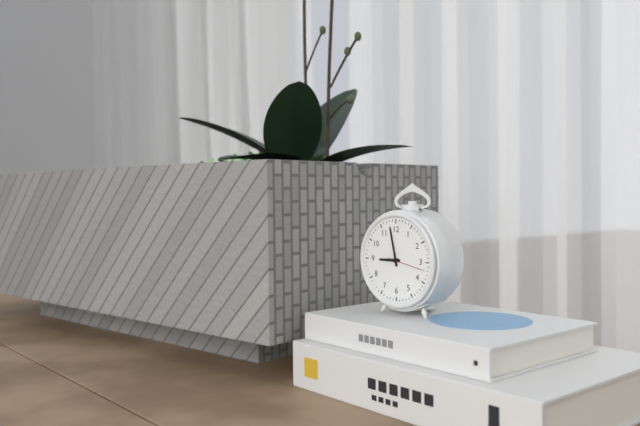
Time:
**8:58**
